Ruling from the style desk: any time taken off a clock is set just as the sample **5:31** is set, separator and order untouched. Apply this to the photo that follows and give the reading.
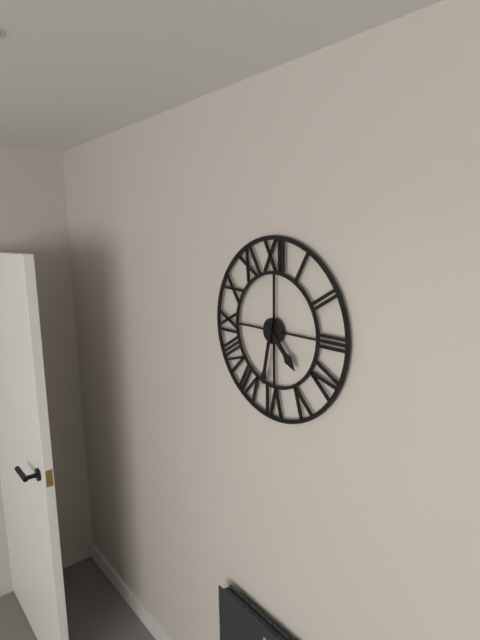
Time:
**4:32**
